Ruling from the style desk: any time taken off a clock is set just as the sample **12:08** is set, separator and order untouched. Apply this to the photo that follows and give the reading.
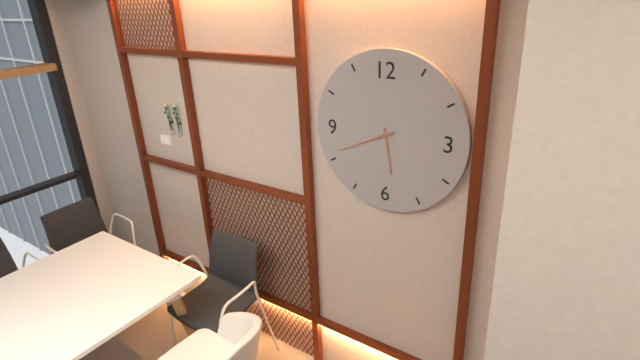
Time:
**5:41**
